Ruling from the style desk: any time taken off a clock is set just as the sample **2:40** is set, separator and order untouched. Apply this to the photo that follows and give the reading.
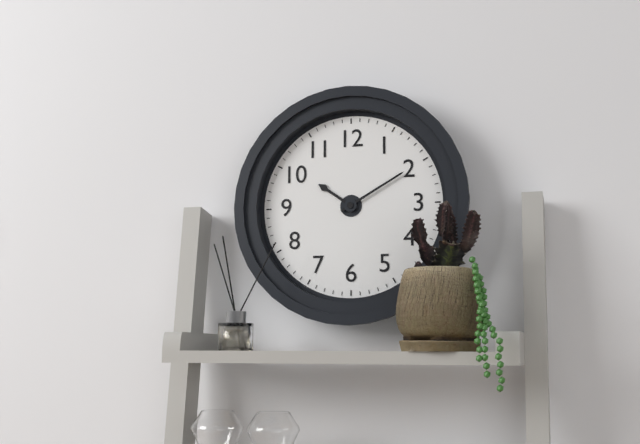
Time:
**10:10**
